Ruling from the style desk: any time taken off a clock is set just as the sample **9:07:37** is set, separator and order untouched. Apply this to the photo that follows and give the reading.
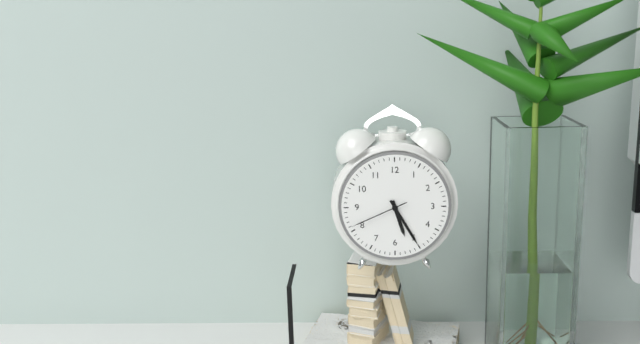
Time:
**5:25:41**
